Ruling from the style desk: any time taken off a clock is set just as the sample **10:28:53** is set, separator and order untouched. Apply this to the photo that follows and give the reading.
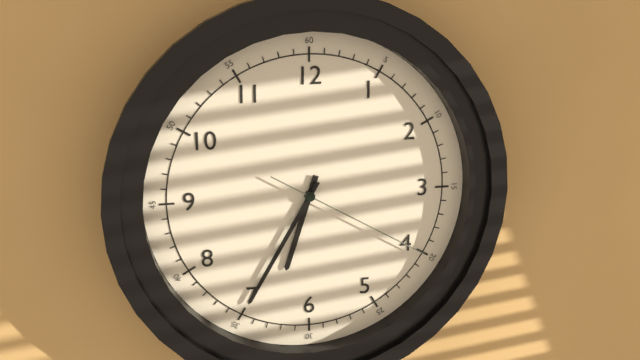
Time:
**6:35:20**
